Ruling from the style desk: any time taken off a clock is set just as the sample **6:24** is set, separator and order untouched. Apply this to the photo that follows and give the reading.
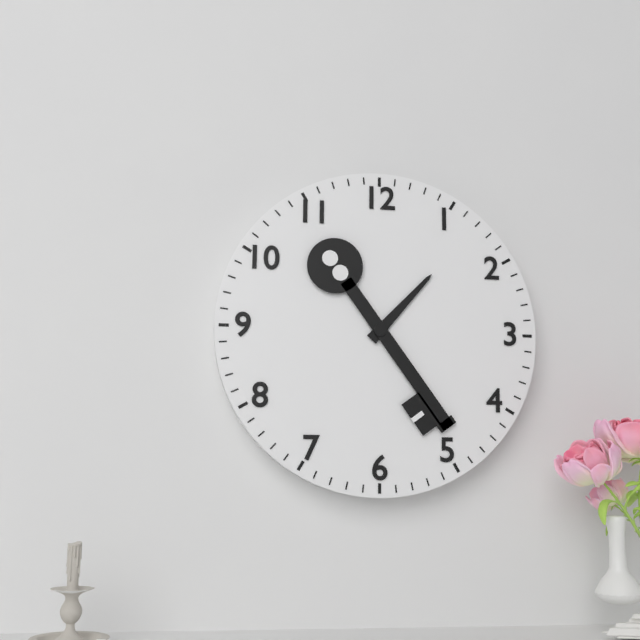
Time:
**1:24**
